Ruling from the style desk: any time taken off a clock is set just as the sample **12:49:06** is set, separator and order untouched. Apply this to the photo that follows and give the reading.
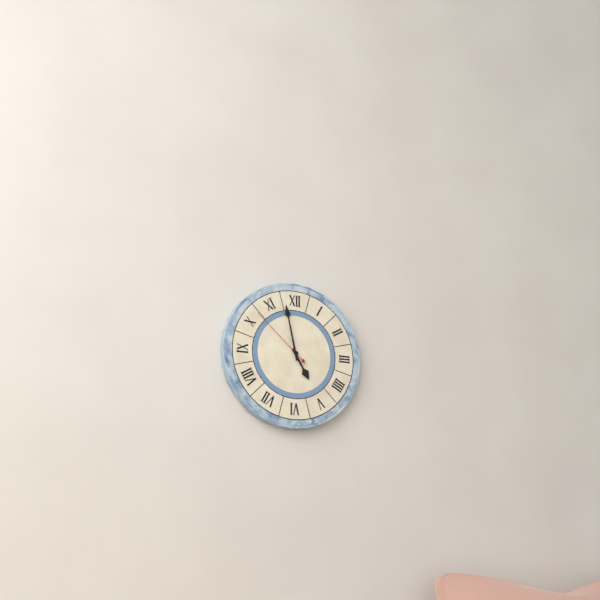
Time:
**4:58:52**
